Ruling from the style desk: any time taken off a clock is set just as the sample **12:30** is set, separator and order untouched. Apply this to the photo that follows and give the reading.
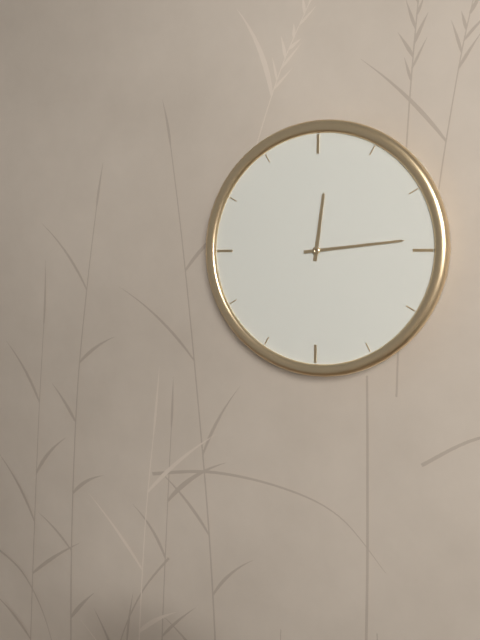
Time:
**12:14**
